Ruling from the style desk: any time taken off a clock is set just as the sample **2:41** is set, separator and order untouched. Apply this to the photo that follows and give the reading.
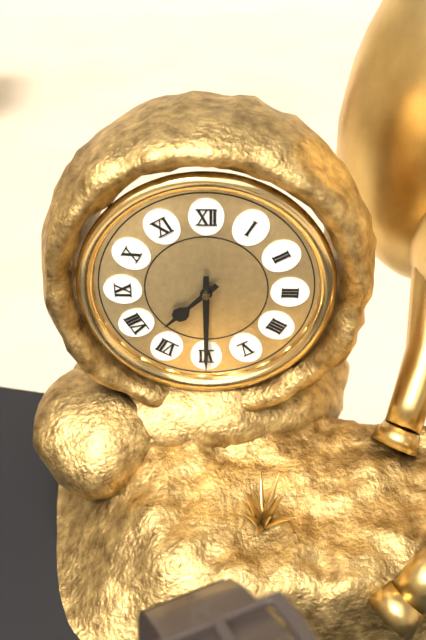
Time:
**7:30**
